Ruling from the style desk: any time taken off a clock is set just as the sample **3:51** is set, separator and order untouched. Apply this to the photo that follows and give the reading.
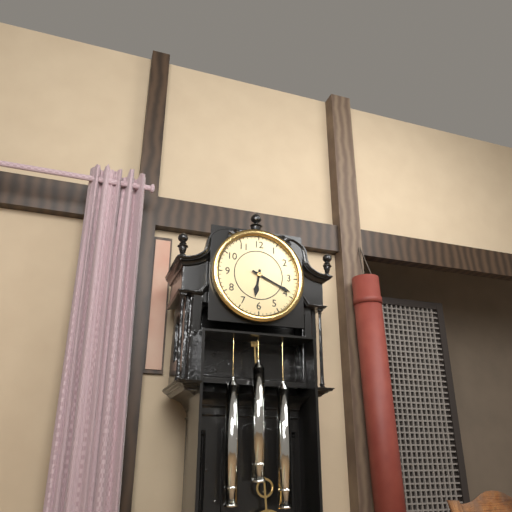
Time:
**6:19**
